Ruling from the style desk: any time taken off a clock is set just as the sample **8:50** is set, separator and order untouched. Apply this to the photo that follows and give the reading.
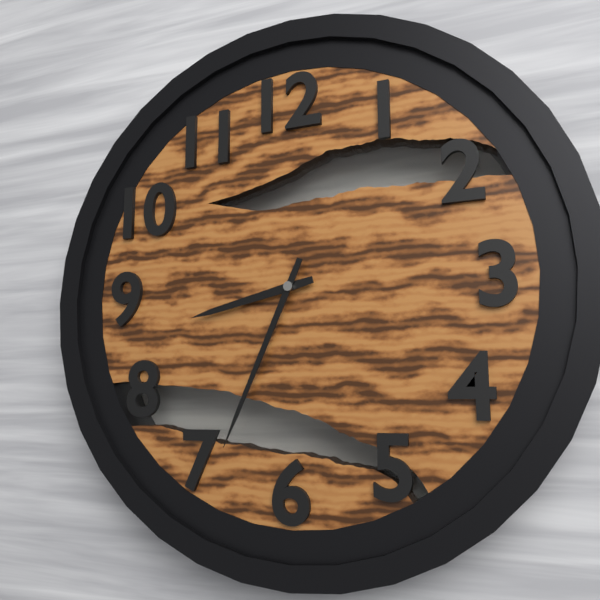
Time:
**8:34**
